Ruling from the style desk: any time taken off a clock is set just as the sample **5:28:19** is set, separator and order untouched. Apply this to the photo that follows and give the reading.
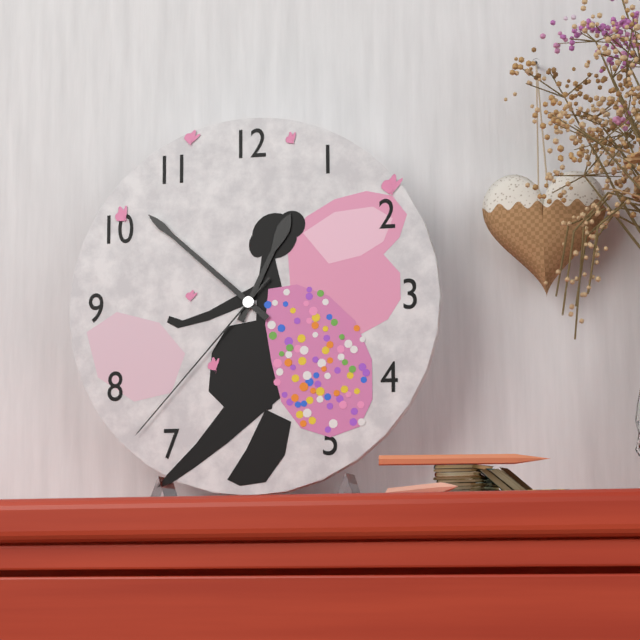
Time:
**12:52:37**
